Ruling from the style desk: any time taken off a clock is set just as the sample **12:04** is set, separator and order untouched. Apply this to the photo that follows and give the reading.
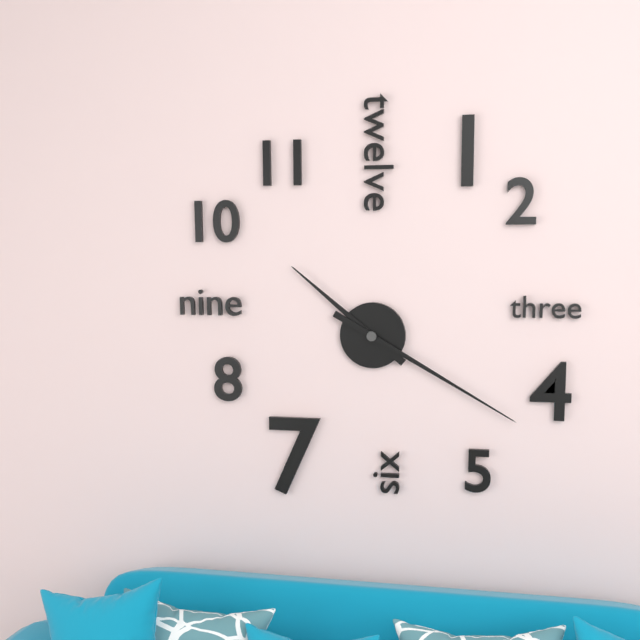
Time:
**10:20**
